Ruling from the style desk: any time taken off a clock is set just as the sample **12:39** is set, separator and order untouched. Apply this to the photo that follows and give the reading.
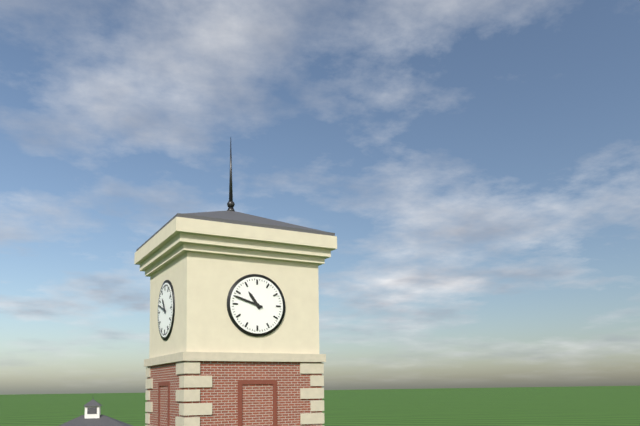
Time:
**10:48**
